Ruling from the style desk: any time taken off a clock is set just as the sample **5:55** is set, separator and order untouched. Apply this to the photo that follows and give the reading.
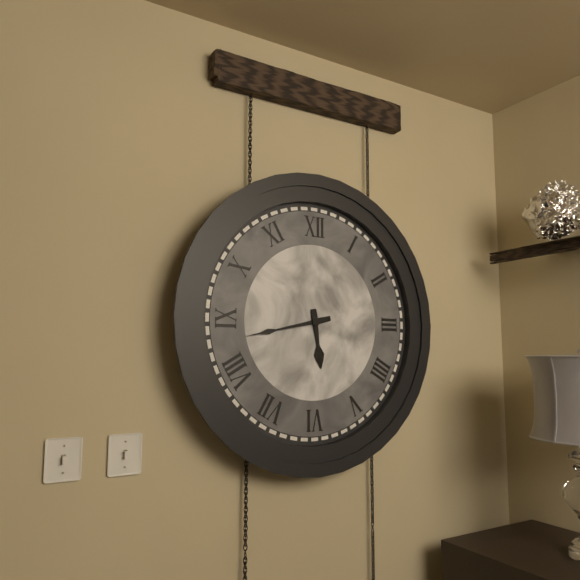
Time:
**5:43**
